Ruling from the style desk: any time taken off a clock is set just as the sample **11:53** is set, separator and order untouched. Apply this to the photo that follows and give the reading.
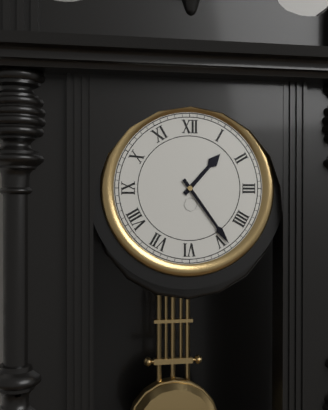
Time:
**1:24**
